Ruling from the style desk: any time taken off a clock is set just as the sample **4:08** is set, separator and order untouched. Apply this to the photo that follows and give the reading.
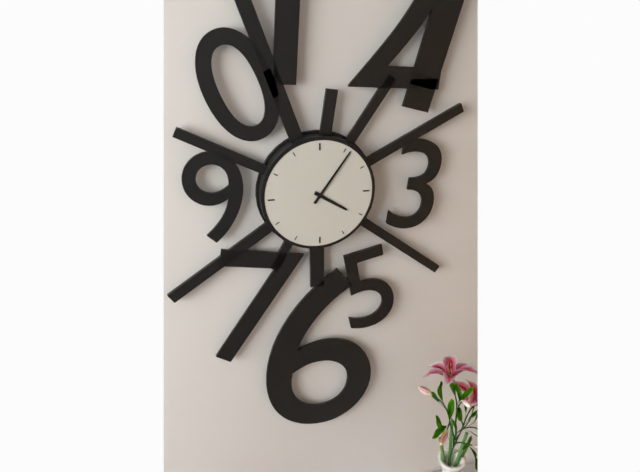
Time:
**4:06**
